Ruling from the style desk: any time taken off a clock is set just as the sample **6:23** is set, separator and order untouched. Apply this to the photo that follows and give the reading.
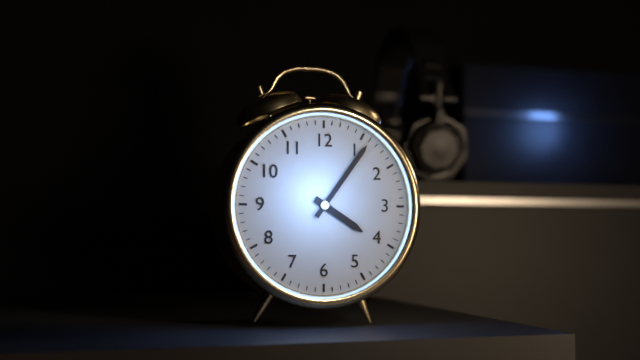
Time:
**4:06**
